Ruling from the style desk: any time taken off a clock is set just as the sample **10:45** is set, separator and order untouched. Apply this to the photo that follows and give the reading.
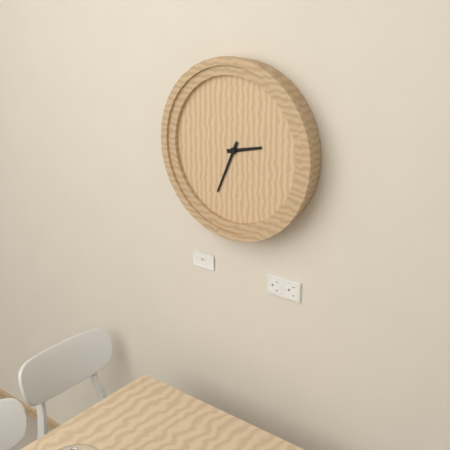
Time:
**2:34**
